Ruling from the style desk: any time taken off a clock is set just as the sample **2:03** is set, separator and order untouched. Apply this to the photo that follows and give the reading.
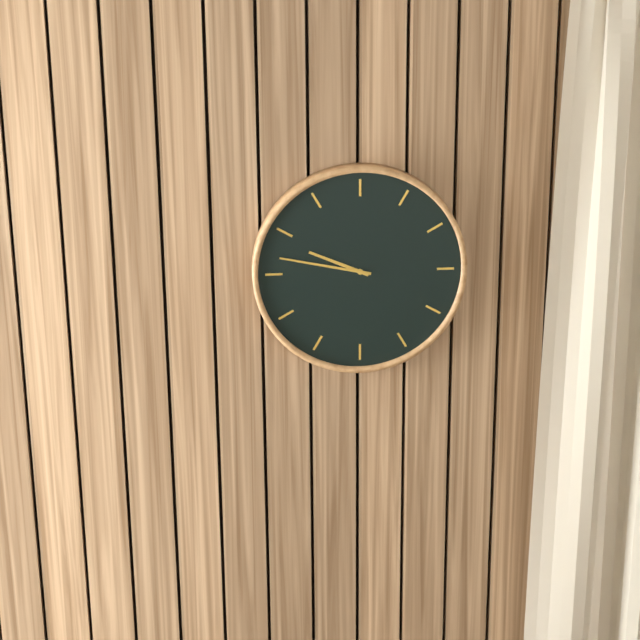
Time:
**9:47**
